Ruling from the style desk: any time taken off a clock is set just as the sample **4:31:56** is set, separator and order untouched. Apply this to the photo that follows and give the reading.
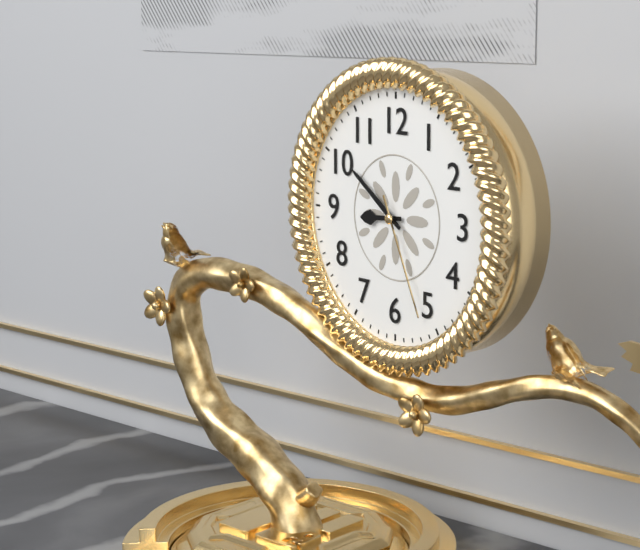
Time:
**8:51:26**
